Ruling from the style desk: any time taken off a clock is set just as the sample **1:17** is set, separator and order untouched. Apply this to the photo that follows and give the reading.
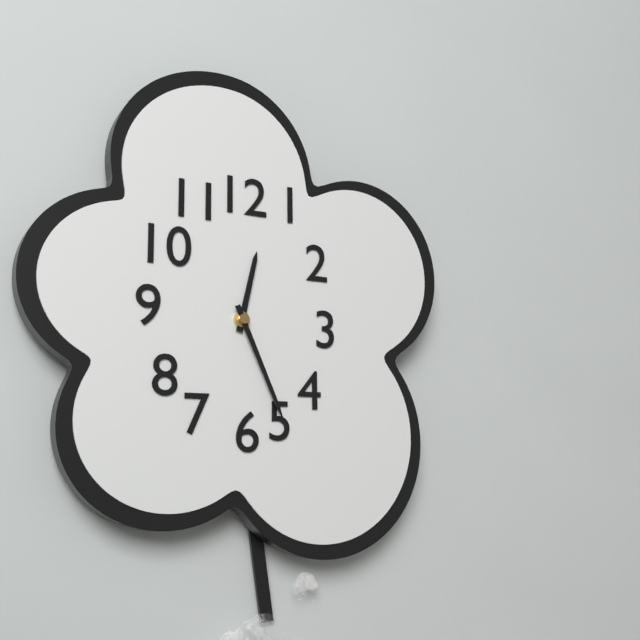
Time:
**12:26**
